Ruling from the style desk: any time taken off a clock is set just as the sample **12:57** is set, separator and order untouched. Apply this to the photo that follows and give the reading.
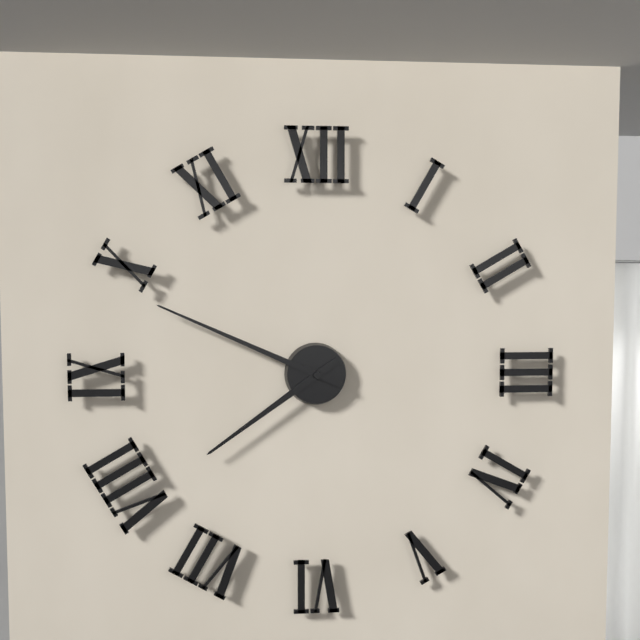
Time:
**7:49**
